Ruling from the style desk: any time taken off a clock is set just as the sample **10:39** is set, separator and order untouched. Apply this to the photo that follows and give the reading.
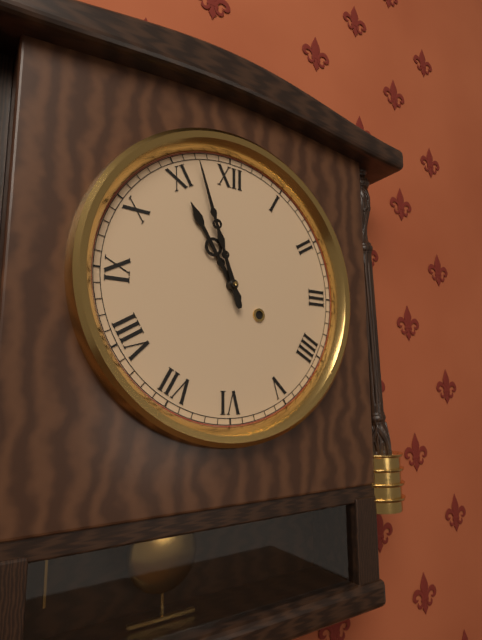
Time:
**10:57**
